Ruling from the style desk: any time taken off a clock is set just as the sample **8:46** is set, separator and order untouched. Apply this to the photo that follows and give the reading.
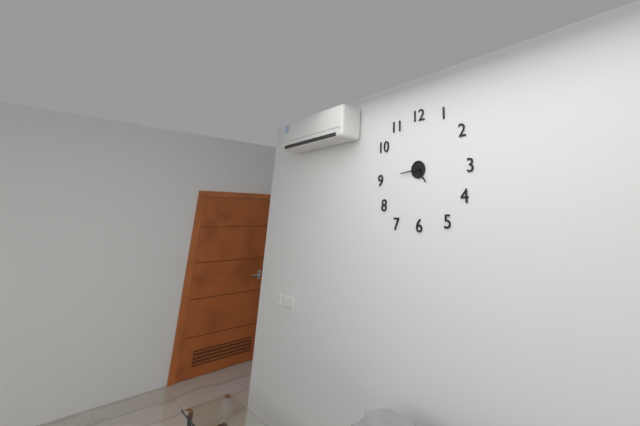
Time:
**4:44**
